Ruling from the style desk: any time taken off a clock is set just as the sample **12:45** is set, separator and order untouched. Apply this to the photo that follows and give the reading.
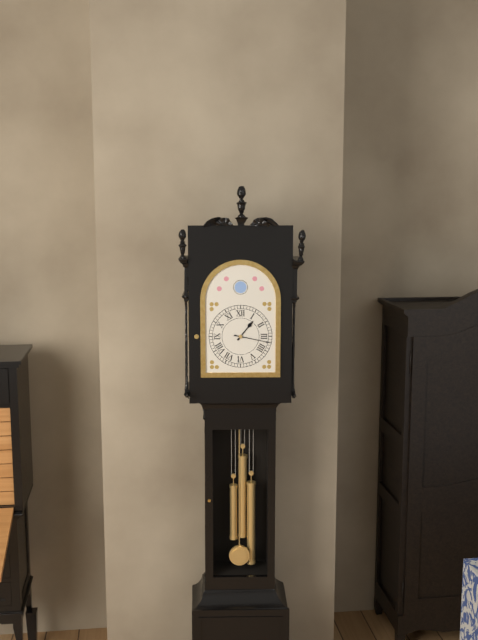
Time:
**1:17**
